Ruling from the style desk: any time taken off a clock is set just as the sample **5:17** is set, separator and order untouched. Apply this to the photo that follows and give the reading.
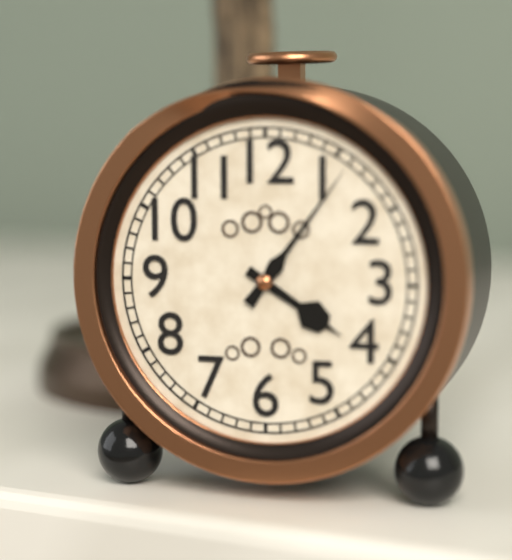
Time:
**4:06**
